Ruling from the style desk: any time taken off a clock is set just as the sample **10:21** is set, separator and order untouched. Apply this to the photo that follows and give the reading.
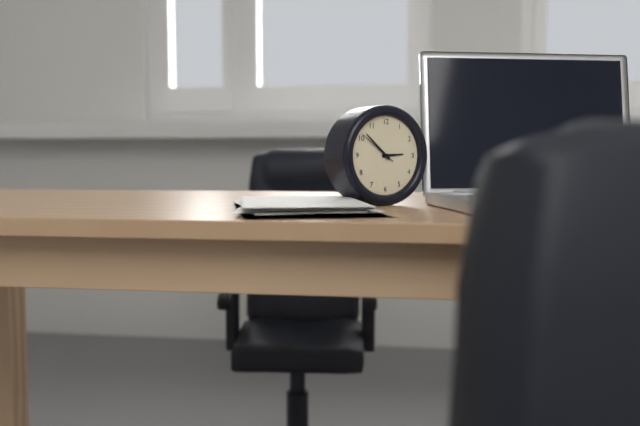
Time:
**2:52**
